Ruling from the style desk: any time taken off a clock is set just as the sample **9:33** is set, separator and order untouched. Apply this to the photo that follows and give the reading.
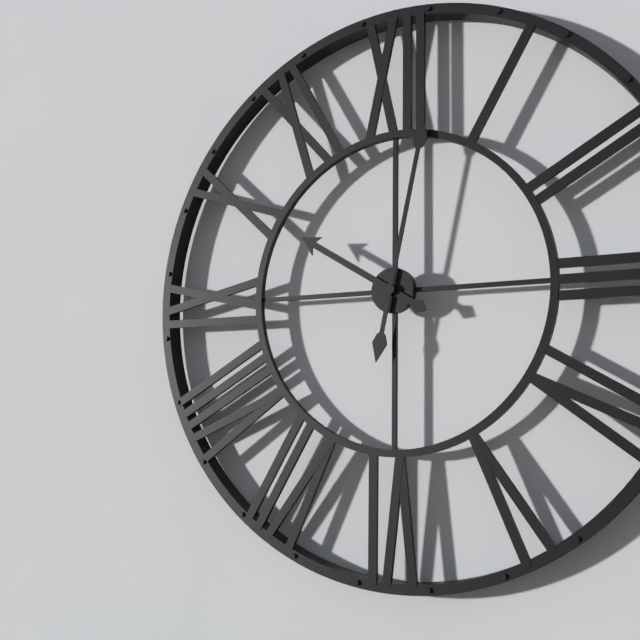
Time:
**10:02**
